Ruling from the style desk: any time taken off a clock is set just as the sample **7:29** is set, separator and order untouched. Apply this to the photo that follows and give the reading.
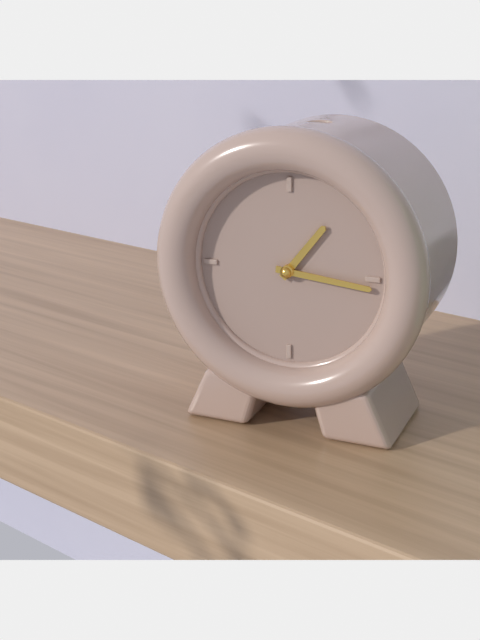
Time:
**1:16**
